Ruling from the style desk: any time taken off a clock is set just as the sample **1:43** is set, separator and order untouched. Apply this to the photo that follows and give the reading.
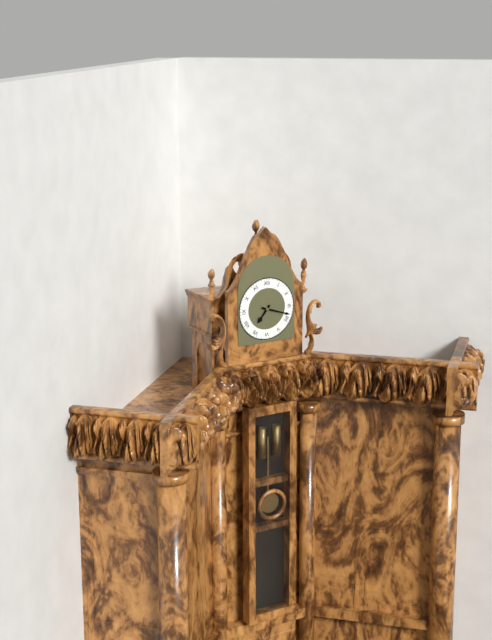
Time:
**7:18**
